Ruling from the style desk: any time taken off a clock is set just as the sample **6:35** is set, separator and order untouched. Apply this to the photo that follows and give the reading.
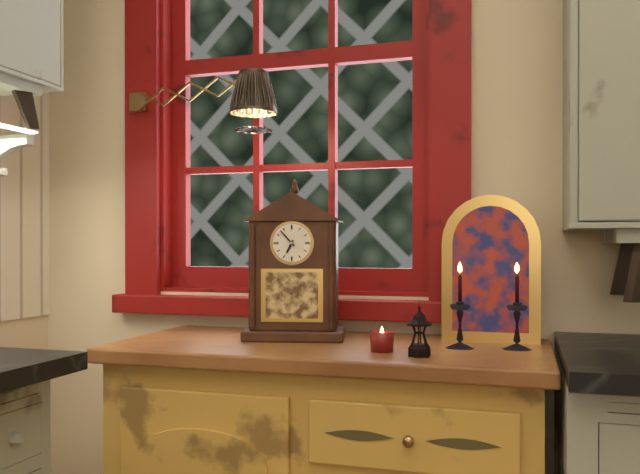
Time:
**6:53**
